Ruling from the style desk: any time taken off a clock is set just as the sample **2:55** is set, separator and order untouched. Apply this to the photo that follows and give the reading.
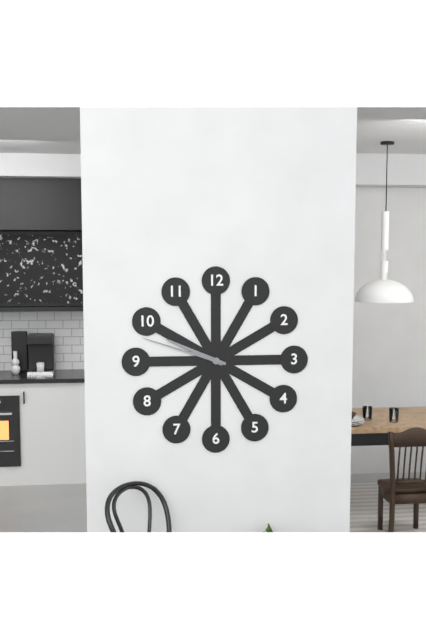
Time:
**9:48**
